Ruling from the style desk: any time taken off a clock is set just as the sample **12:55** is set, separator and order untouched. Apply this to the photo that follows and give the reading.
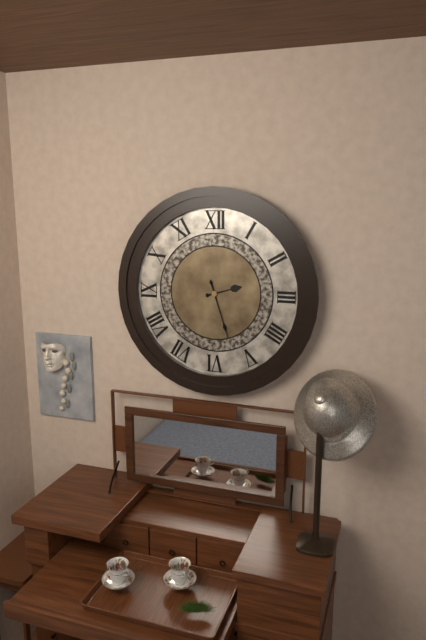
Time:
**2:27**
